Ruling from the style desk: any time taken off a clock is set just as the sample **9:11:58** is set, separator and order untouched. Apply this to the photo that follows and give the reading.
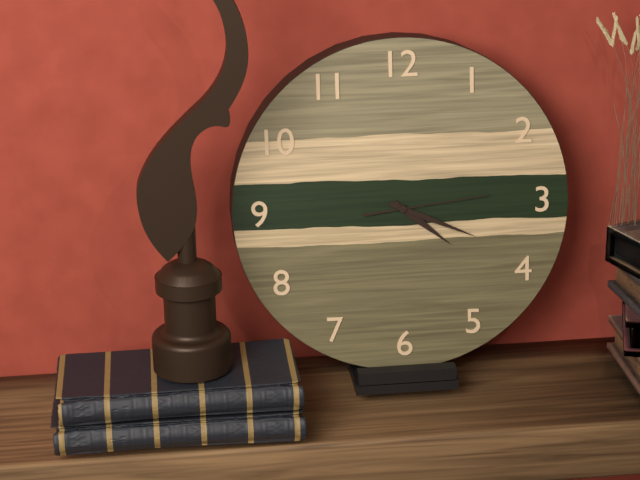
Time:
**4:19:14**
